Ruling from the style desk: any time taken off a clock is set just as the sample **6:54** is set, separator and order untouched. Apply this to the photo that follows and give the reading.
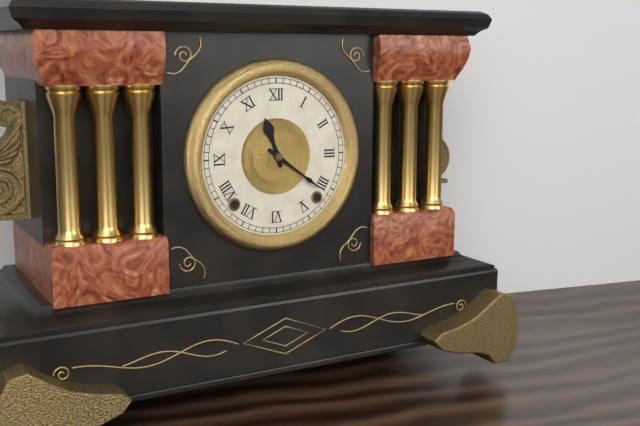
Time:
**11:21**
